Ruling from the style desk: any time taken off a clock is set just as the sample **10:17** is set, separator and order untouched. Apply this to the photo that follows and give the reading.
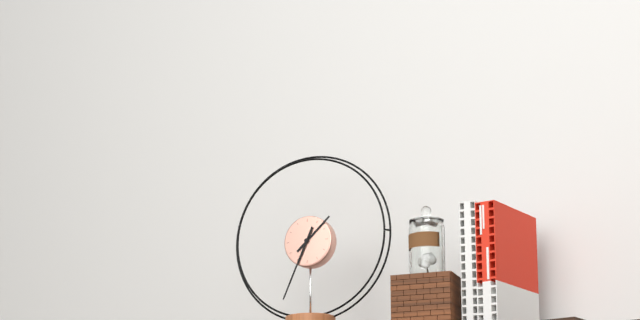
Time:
**1:34**
